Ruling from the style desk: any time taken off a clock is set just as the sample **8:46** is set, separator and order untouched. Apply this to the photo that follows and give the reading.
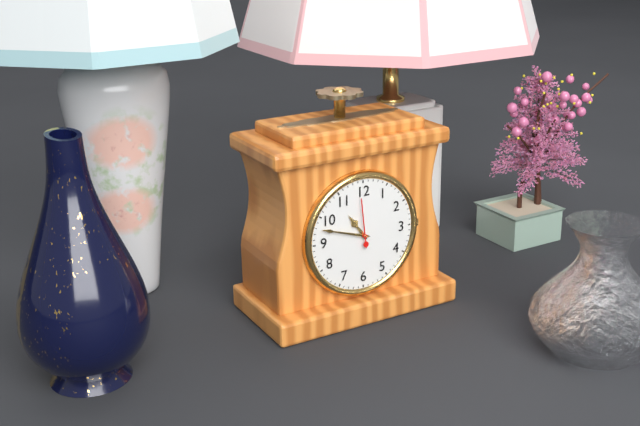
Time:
**10:48**
